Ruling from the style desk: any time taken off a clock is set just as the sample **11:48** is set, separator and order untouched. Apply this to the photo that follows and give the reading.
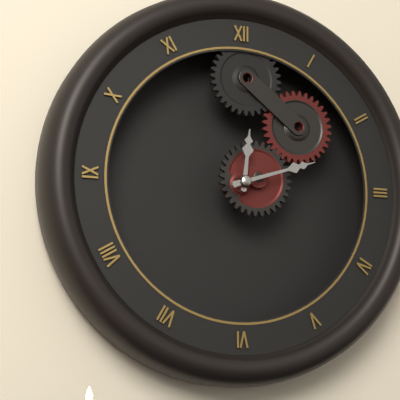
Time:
**12:12**
